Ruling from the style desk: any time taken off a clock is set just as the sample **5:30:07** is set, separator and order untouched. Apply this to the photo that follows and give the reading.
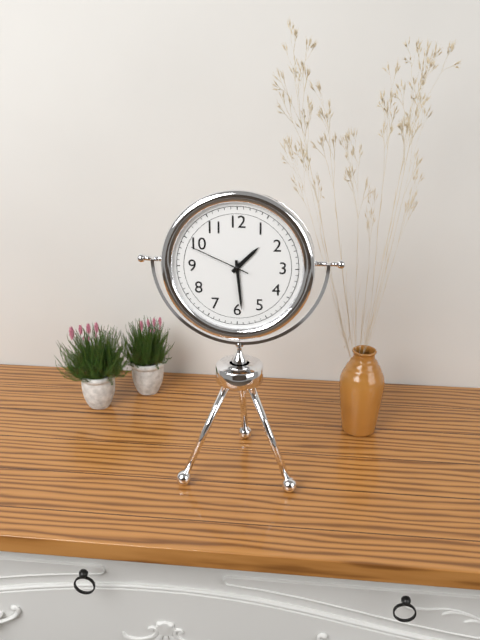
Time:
**1:29:49**
